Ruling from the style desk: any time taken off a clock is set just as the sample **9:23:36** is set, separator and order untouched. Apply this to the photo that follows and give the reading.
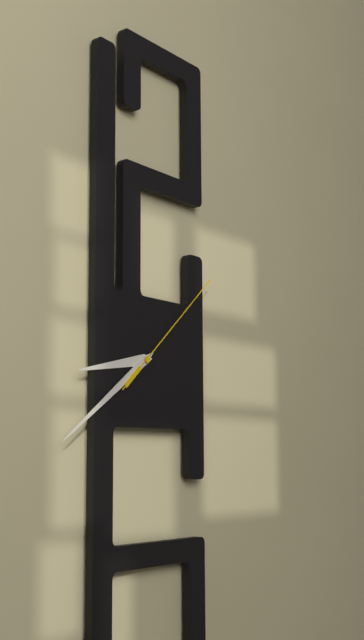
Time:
**8:39:08**
